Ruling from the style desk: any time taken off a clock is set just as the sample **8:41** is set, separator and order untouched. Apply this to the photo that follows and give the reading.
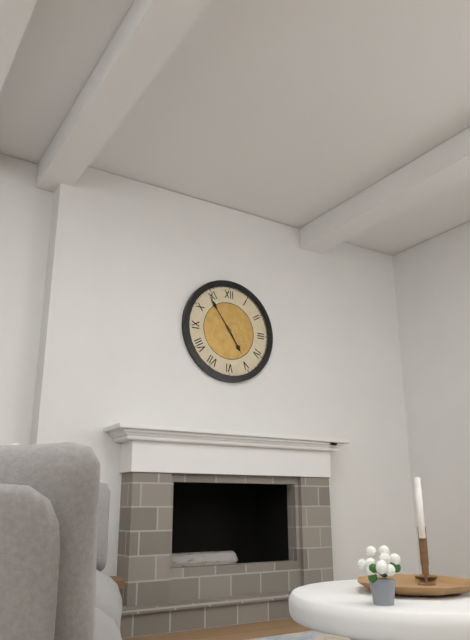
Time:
**4:54**
